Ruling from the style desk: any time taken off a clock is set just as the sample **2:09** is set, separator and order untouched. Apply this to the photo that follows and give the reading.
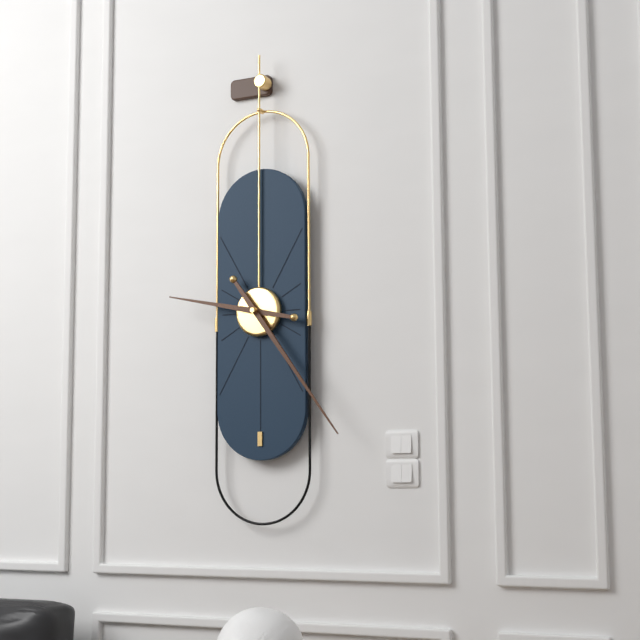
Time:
**9:24**
